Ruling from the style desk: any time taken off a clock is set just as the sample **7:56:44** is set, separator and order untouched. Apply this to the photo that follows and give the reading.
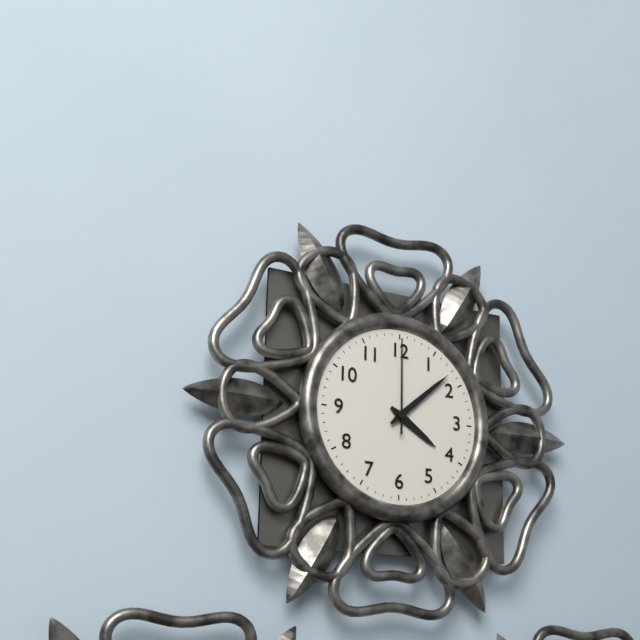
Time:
**4:08:00**
